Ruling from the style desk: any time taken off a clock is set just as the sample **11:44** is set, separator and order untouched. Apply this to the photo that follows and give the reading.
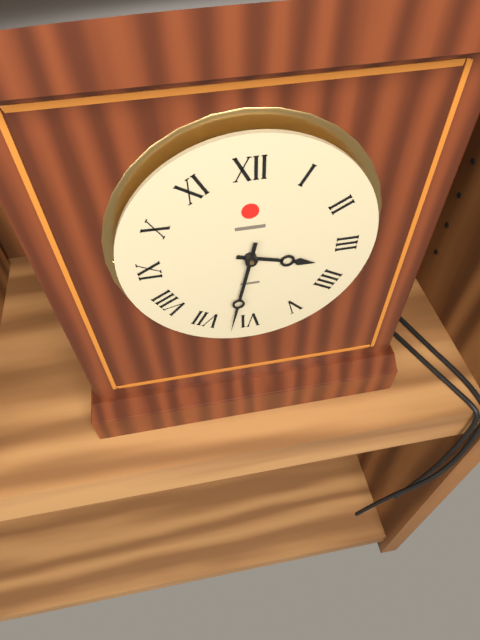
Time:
**3:32**
